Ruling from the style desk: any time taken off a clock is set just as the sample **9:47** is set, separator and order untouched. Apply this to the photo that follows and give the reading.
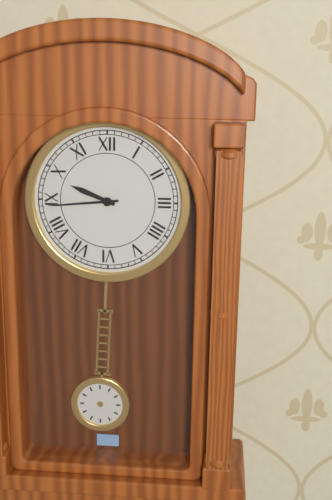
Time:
**9:44**
